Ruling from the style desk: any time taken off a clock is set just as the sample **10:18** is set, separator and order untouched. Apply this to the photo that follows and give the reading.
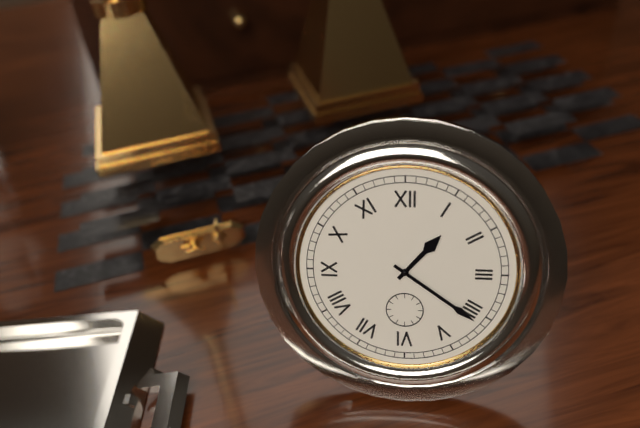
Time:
**1:21**
